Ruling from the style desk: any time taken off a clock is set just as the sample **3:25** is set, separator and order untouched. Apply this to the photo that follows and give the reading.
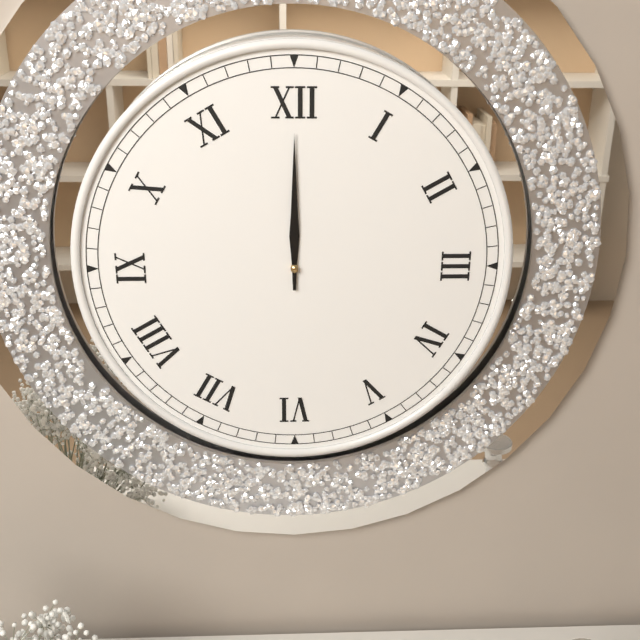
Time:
**12:00**
